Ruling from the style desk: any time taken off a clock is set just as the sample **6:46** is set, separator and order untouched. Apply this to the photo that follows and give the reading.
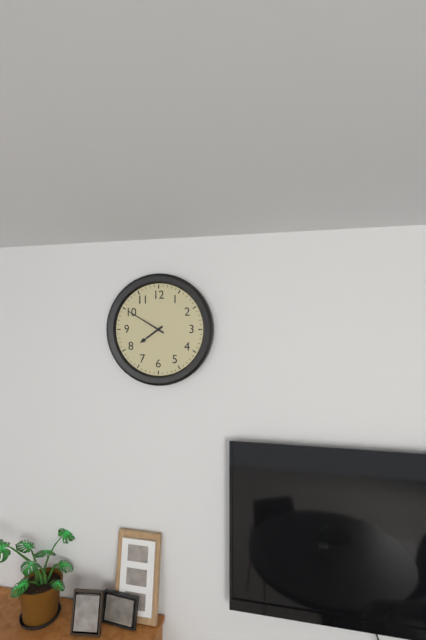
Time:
**7:50**
